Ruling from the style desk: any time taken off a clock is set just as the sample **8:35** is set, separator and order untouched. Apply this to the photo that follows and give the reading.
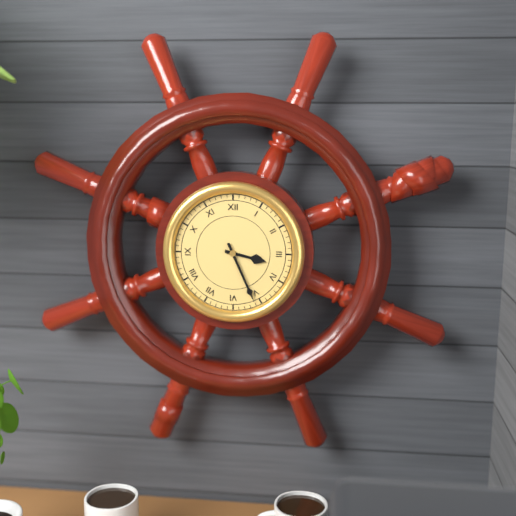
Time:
**3:26**
